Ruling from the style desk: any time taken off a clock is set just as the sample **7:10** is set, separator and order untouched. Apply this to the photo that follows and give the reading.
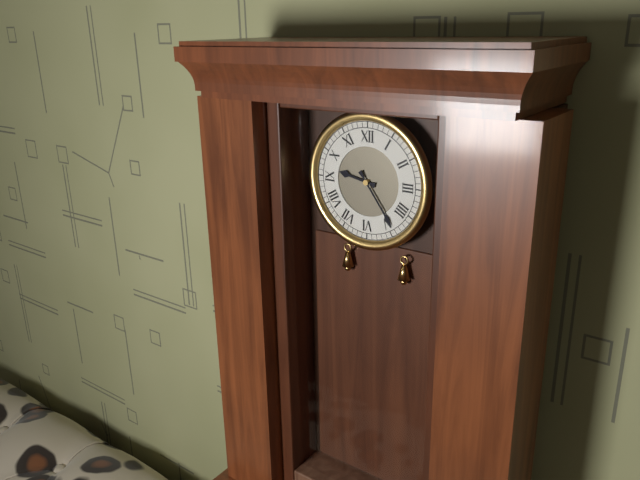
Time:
**9:24**
